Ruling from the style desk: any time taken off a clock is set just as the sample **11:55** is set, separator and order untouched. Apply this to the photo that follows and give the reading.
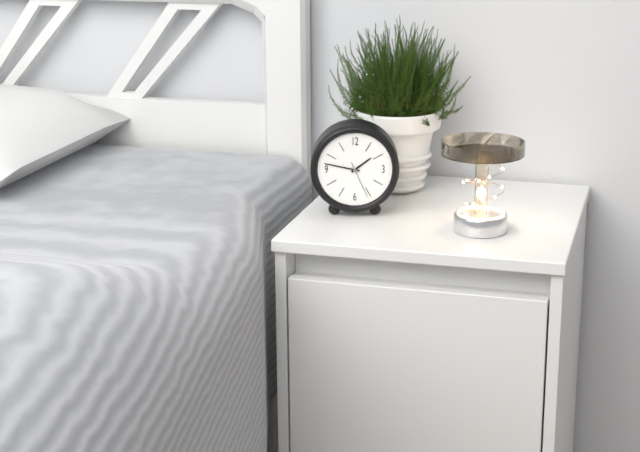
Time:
**1:47**
